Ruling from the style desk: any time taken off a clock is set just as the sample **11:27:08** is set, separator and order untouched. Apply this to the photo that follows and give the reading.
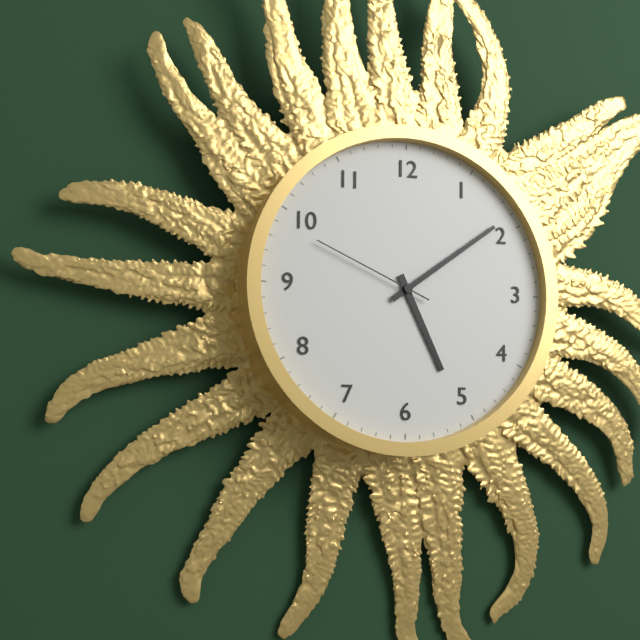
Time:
**5:09:49**
